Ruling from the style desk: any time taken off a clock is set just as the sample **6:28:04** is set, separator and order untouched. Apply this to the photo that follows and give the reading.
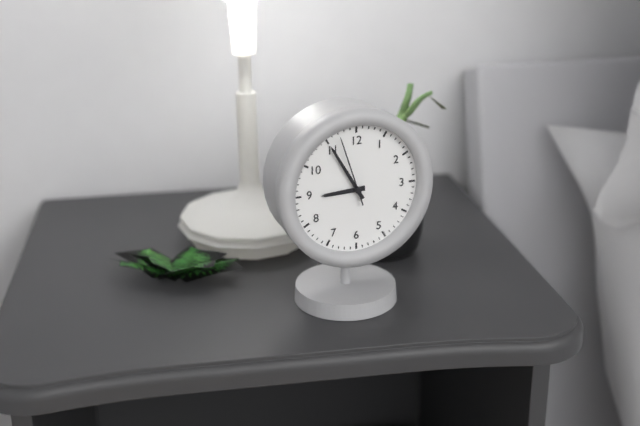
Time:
**8:55:57**
